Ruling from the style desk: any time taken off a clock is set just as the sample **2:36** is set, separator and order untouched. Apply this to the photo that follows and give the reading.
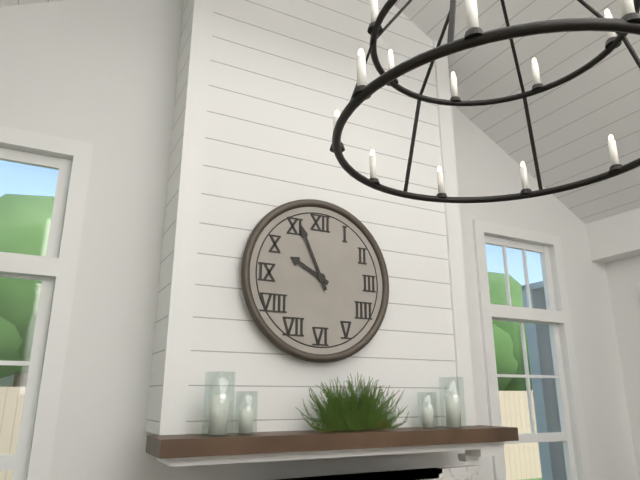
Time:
**9:56**
